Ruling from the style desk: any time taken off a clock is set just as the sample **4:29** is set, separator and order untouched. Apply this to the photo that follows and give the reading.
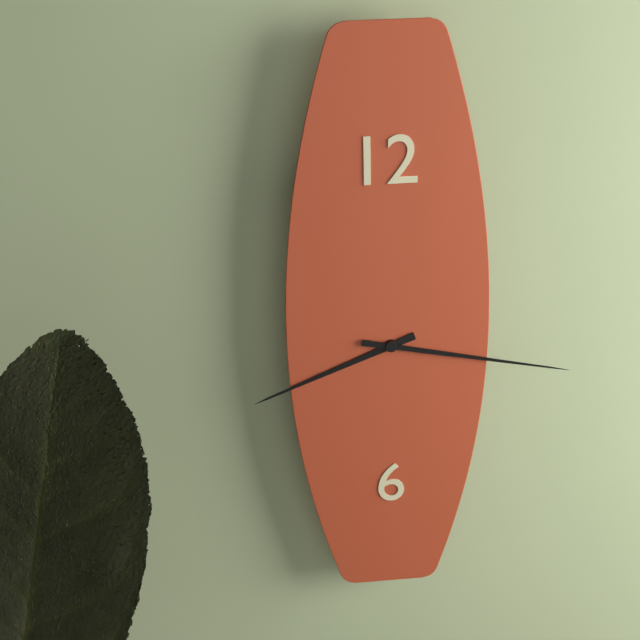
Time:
**8:17**
